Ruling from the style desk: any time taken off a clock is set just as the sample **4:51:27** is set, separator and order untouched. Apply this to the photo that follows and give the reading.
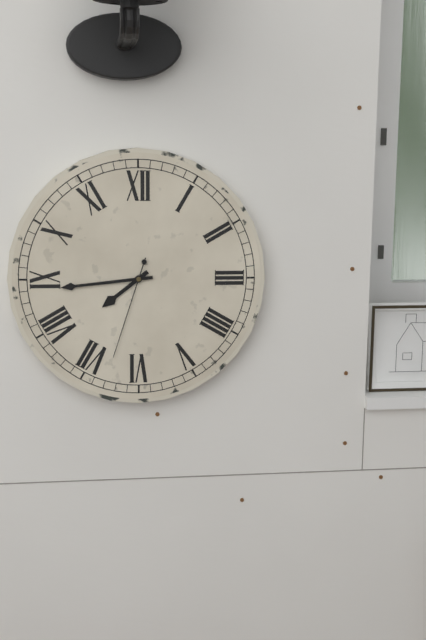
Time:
**7:44:33**
